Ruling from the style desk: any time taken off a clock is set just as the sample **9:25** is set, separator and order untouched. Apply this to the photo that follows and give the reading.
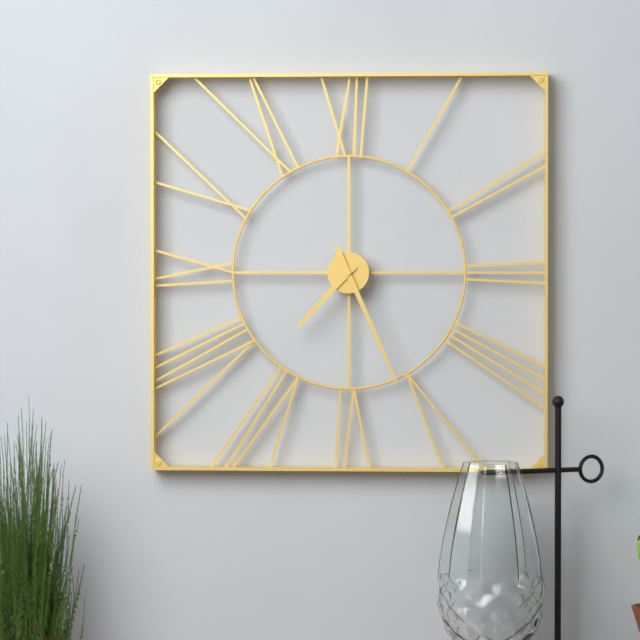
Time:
**7:26**
